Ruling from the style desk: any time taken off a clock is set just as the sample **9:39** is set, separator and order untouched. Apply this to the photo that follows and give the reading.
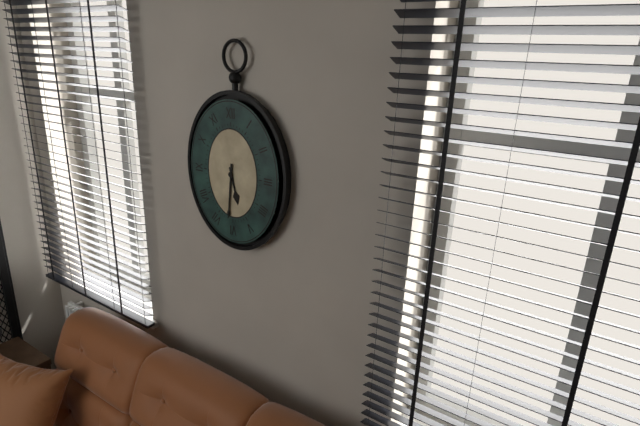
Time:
**5:31**
